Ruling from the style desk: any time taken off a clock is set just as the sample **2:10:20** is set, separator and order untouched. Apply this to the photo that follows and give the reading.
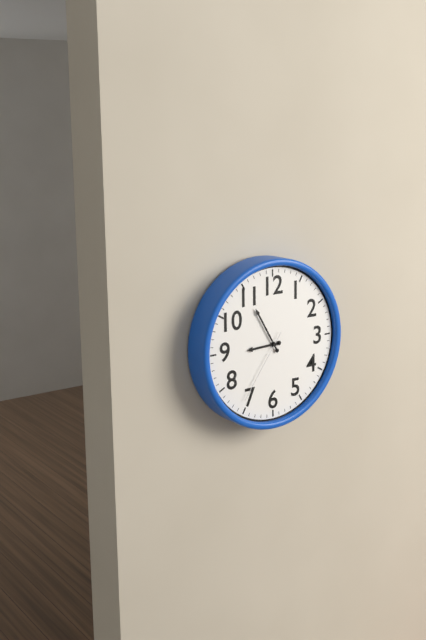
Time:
**8:55:36**
